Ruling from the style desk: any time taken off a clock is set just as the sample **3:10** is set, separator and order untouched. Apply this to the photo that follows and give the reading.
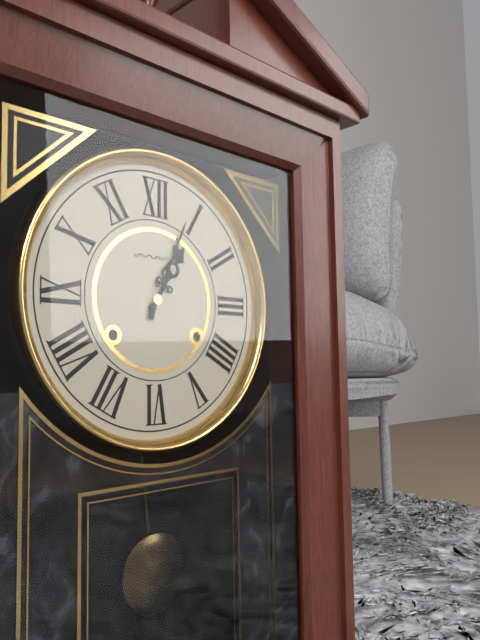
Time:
**1:04**
